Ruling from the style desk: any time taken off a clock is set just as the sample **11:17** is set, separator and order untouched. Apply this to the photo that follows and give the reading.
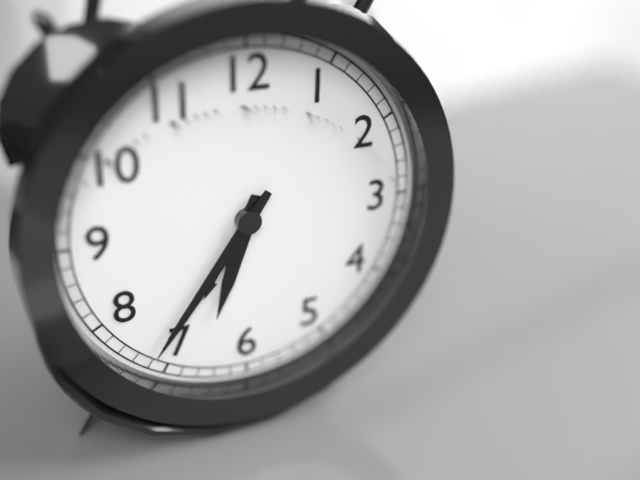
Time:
**6:36**
